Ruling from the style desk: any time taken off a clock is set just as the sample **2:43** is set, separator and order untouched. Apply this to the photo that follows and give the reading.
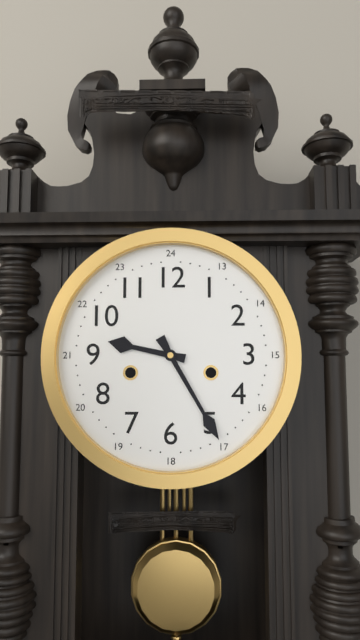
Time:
**9:25**
